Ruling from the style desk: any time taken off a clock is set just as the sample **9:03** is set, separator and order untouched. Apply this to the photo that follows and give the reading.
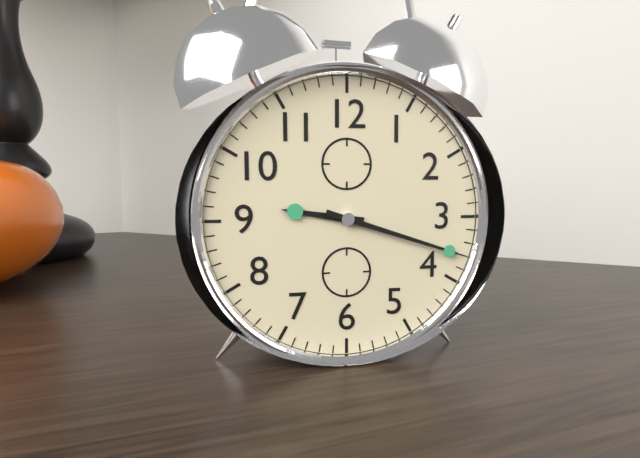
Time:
**9:18**
